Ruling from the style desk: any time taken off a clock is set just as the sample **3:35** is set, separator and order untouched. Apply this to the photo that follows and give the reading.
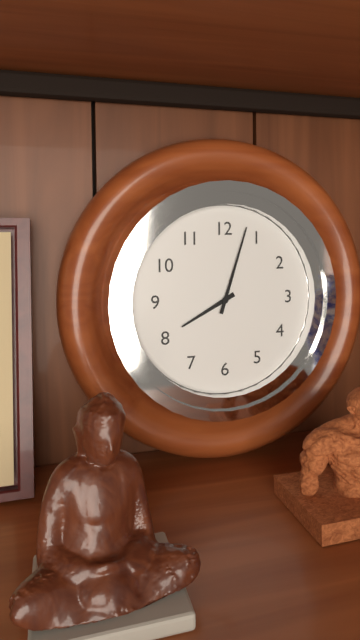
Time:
**8:03**
